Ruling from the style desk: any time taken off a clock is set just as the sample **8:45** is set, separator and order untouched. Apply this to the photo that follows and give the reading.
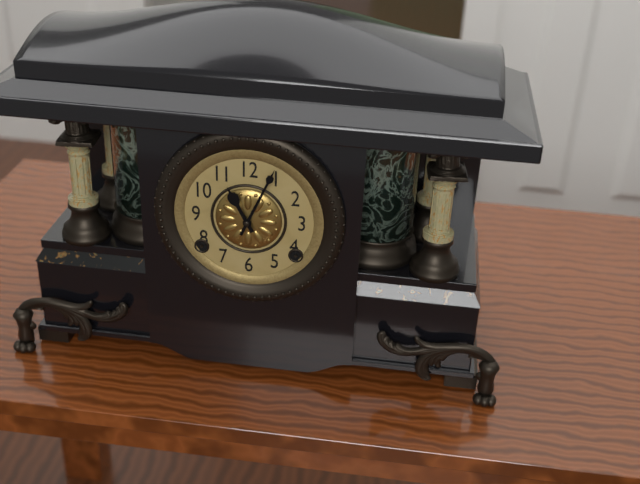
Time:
**11:04**
